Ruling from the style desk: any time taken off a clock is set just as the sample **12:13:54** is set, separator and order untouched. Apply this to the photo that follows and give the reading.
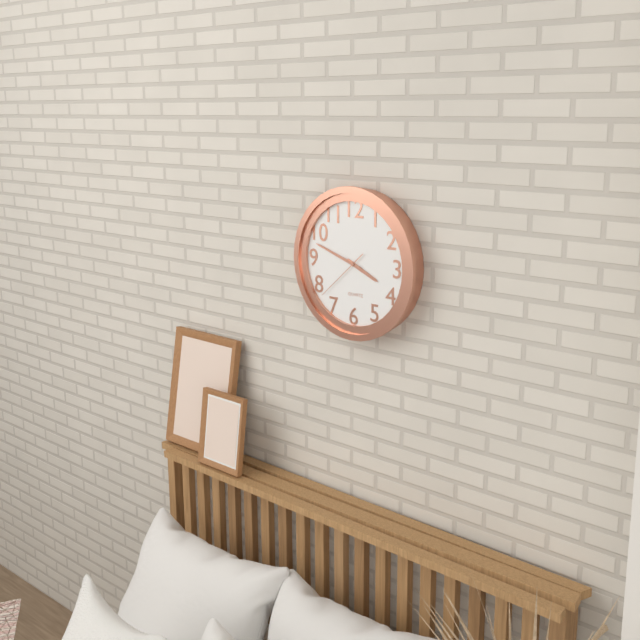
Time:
**3:48:38**
